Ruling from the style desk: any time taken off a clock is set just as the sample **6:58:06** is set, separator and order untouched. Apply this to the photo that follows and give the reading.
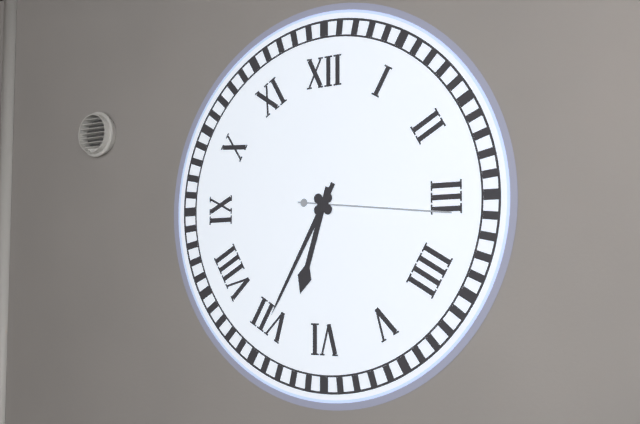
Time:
**6:35:16**
